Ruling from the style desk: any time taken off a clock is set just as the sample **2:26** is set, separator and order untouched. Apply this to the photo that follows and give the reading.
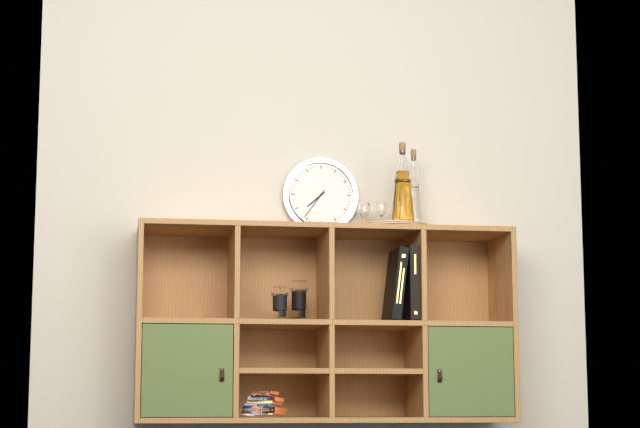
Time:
**7:36**
